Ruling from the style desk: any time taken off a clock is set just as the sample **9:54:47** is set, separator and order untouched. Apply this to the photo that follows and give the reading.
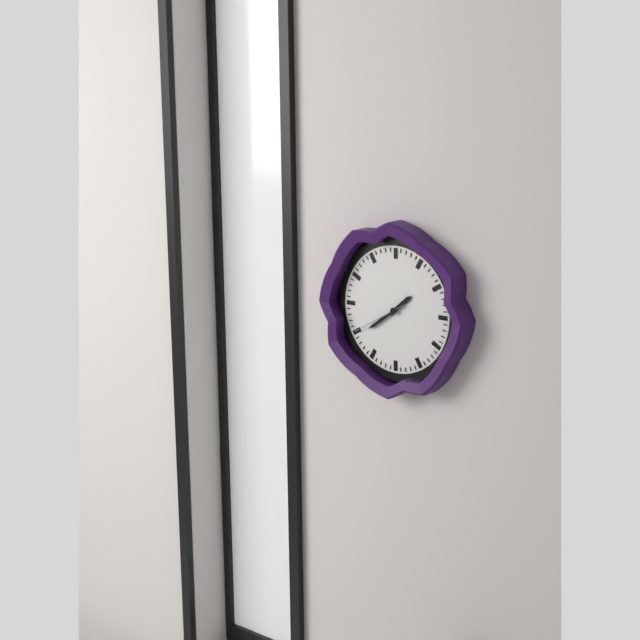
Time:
**1:39:40**
